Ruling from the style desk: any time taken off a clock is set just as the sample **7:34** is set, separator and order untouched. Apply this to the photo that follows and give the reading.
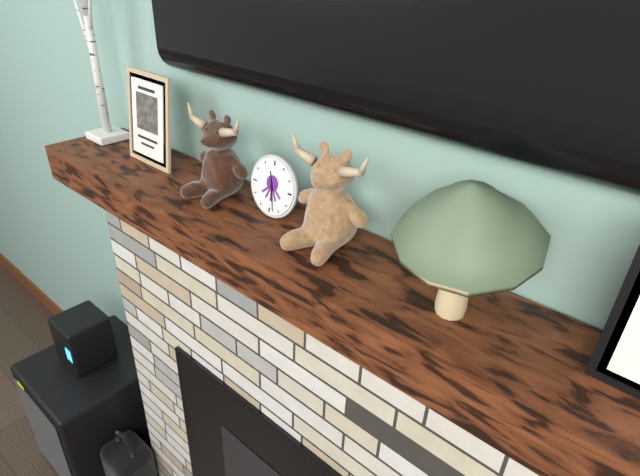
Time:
**11:28**
